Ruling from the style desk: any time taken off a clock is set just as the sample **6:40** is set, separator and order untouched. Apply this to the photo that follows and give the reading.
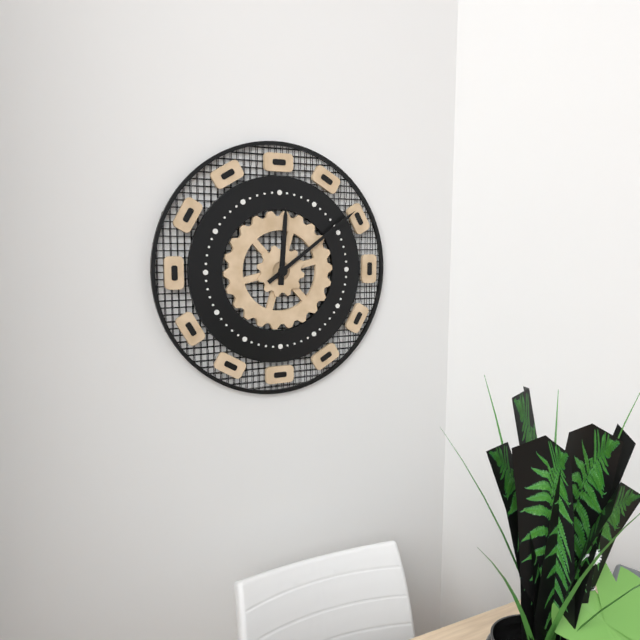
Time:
**12:09**
